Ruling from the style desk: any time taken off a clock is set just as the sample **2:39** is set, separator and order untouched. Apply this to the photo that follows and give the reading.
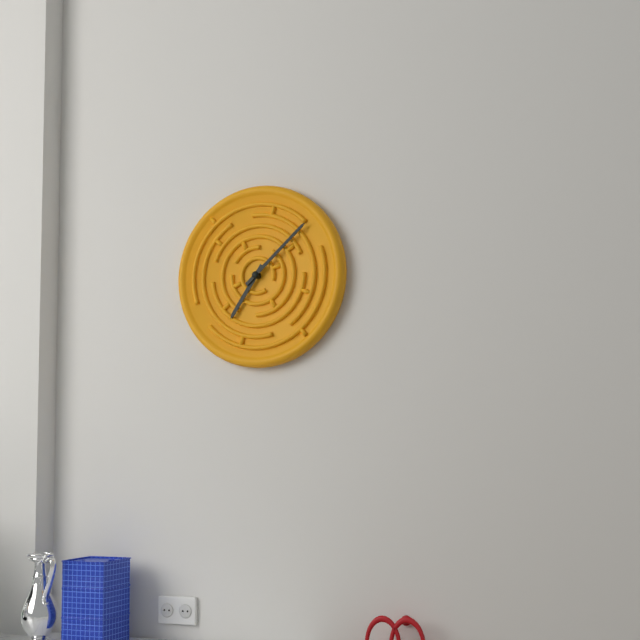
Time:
**7:08**
